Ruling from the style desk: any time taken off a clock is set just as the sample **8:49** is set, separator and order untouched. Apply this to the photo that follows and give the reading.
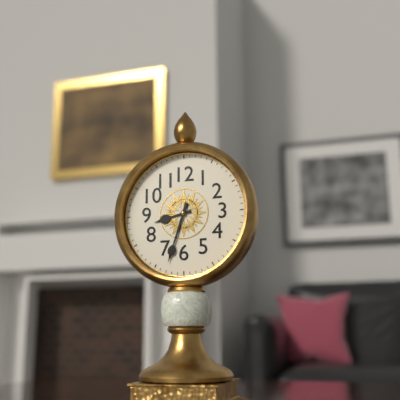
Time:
**8:33**
